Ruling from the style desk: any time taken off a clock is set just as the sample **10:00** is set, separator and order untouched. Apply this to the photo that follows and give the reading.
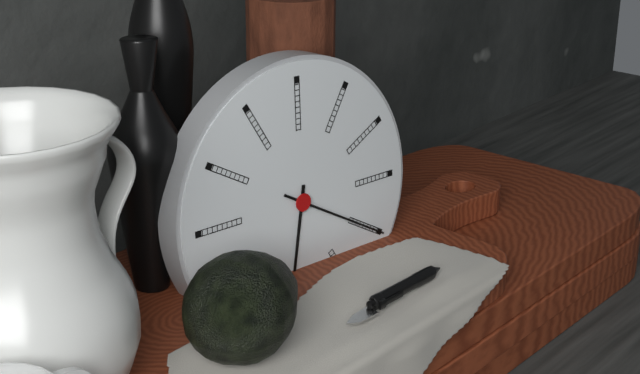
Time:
**6:20**
